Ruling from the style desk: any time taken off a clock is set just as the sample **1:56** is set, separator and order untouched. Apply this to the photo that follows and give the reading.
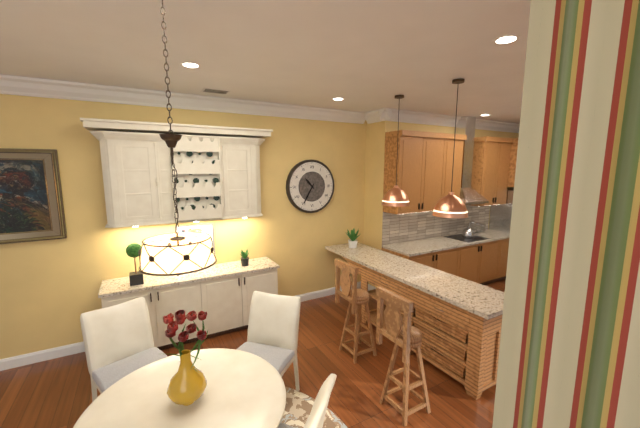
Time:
**10:35**
